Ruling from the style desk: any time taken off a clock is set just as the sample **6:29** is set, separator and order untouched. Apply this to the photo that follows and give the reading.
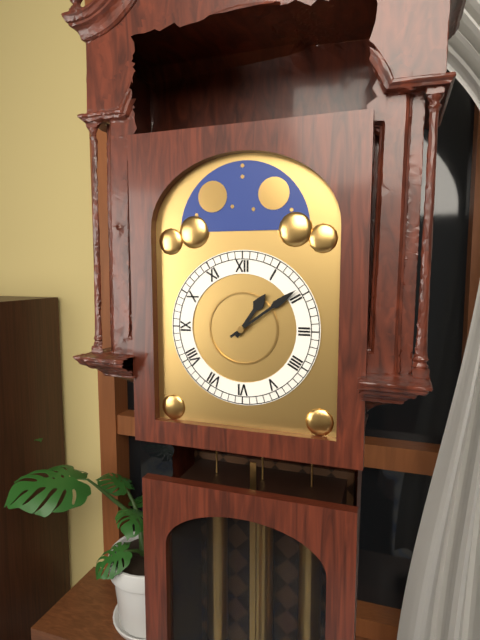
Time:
**1:09**
